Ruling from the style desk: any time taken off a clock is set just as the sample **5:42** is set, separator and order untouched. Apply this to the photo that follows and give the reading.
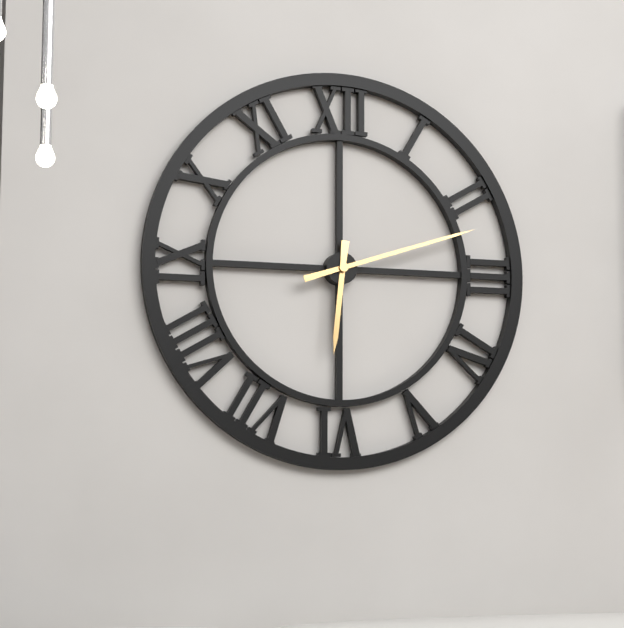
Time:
**6:12**
